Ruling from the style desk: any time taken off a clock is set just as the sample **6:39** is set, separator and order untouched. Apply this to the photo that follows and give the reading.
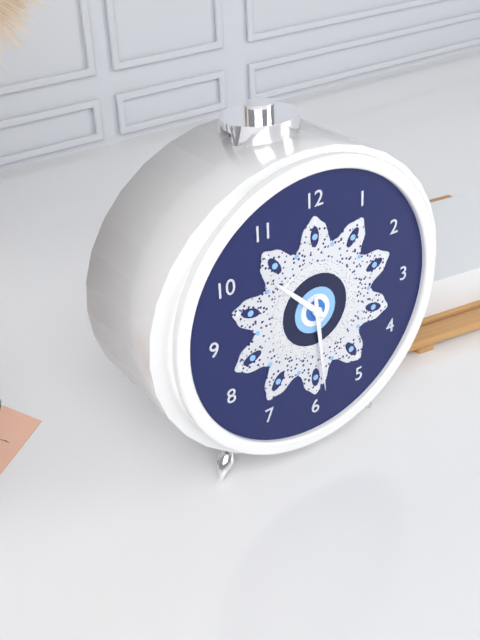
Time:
**10:29**
